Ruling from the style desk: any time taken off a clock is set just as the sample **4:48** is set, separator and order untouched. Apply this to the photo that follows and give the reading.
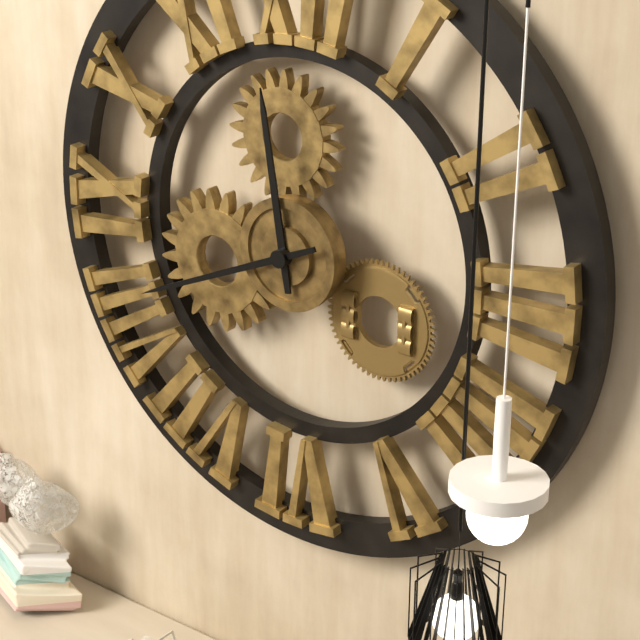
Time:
**11:41**
